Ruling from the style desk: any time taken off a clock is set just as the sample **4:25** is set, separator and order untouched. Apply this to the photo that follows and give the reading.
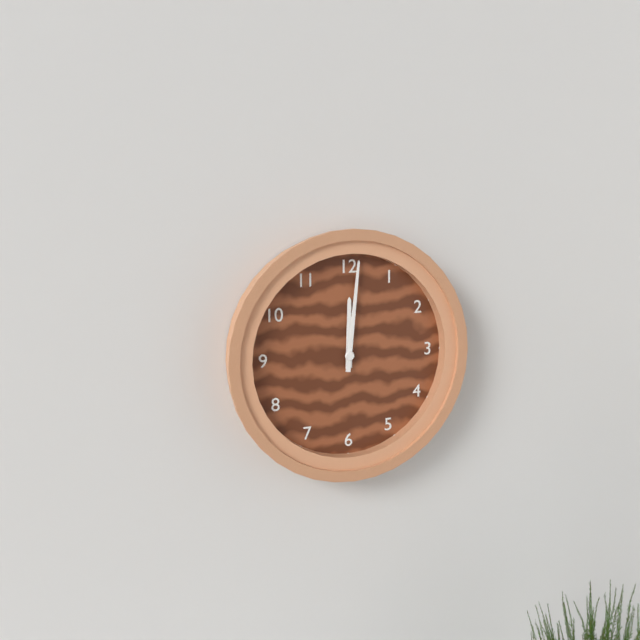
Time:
**12:01**
